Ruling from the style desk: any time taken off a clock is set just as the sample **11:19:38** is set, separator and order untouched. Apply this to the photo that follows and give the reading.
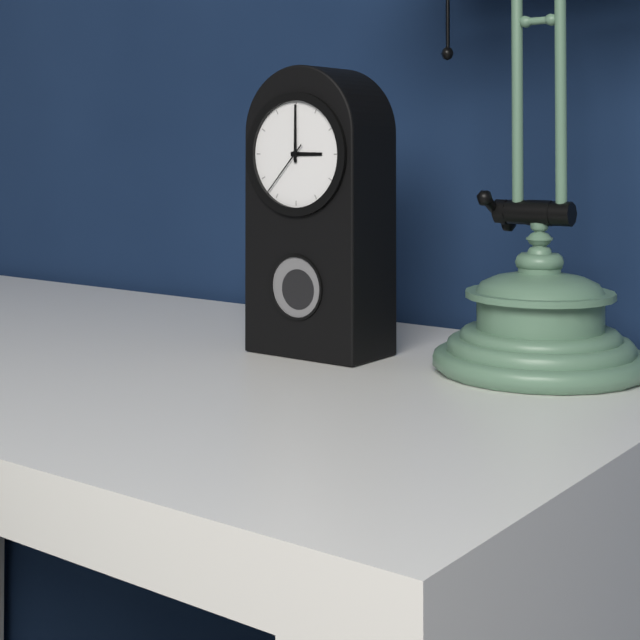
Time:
**3:00:37**
